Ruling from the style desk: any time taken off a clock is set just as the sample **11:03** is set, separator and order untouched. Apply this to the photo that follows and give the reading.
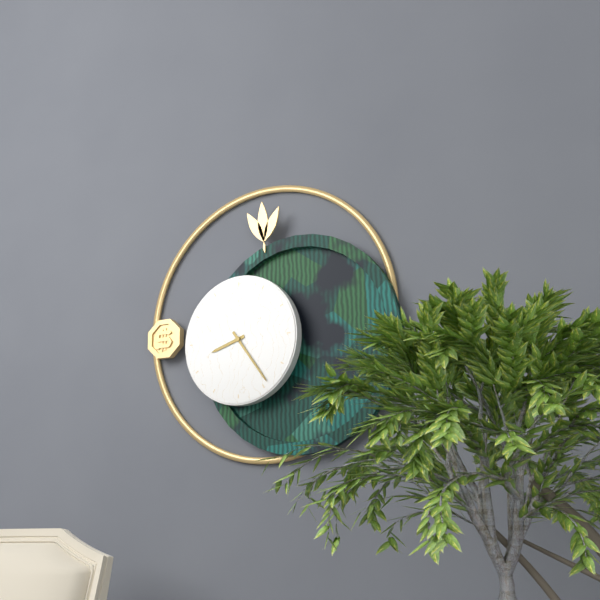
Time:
**8:24**
